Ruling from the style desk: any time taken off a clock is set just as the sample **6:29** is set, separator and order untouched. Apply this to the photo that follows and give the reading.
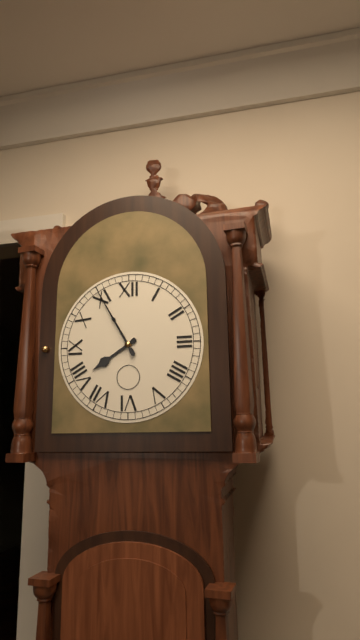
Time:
**7:55**
